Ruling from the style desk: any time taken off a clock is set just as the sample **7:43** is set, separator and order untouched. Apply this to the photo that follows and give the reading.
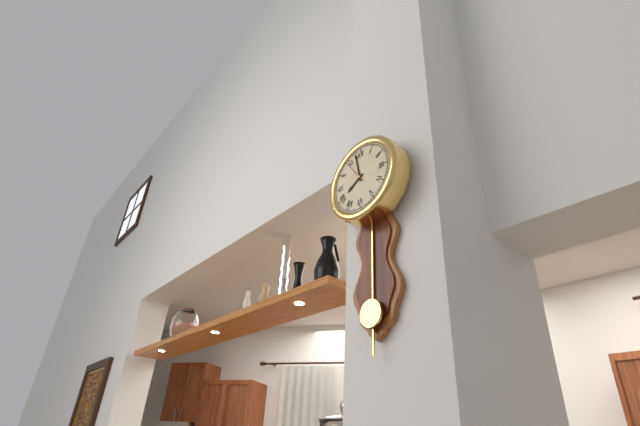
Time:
**7:58**
